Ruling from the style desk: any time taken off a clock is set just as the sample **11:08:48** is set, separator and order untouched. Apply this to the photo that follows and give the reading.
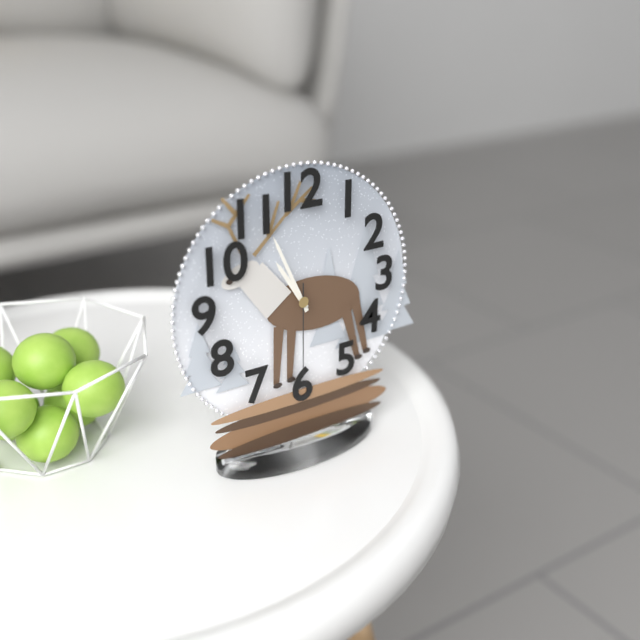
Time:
**10:56:30**
